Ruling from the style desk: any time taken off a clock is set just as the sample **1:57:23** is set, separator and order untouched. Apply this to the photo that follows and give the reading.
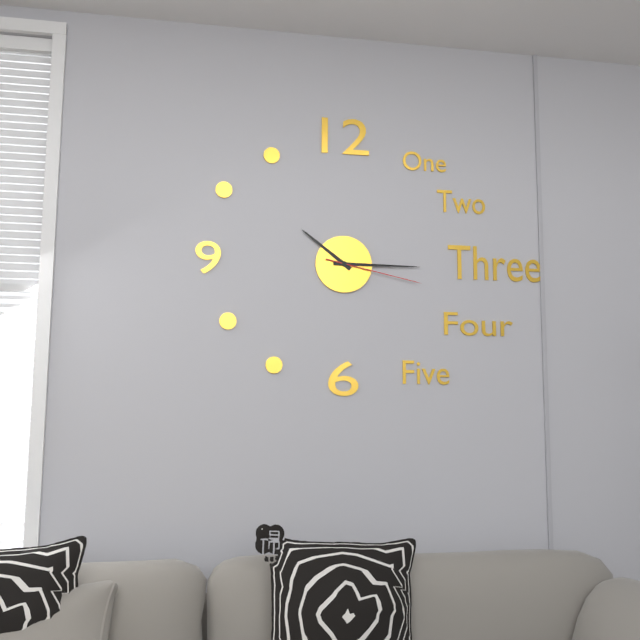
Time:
**10:15:17**
